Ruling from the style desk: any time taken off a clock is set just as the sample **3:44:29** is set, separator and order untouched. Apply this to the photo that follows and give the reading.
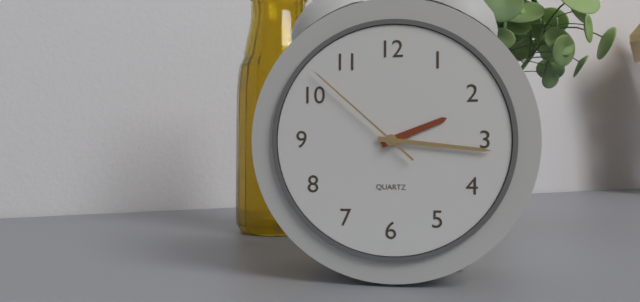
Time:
**2:16:52**
